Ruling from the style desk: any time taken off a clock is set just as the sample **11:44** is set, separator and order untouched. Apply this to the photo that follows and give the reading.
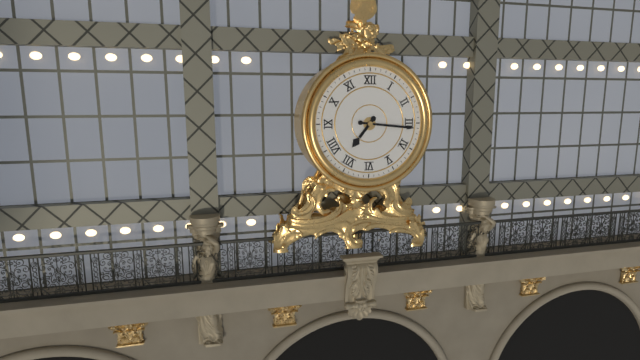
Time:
**7:16**
